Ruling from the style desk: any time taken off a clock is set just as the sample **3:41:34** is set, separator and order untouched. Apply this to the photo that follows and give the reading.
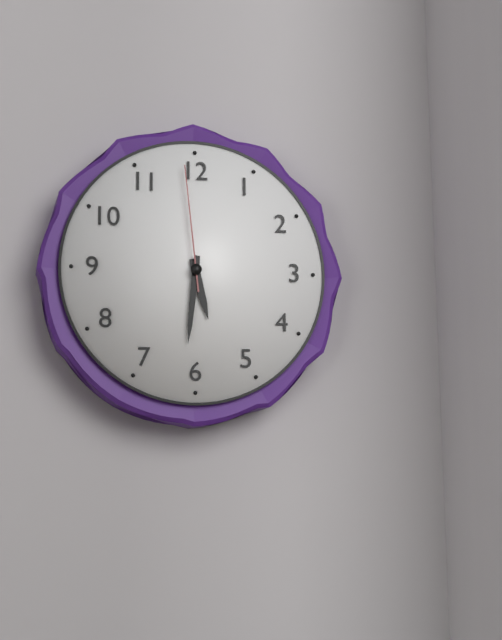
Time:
**5:31:59**
